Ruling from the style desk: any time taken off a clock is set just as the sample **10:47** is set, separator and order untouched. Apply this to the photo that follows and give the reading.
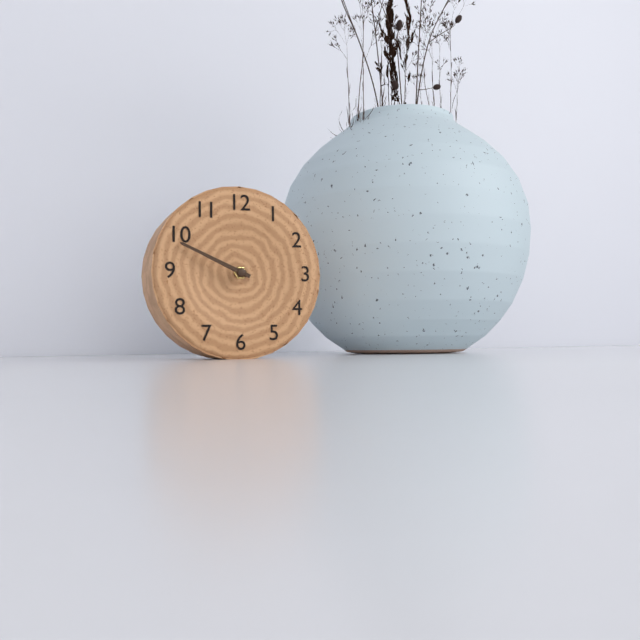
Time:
**9:49**
